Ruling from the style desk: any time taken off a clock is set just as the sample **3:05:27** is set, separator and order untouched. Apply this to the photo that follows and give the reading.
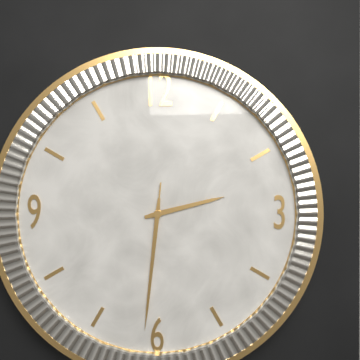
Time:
**2:31:31**
